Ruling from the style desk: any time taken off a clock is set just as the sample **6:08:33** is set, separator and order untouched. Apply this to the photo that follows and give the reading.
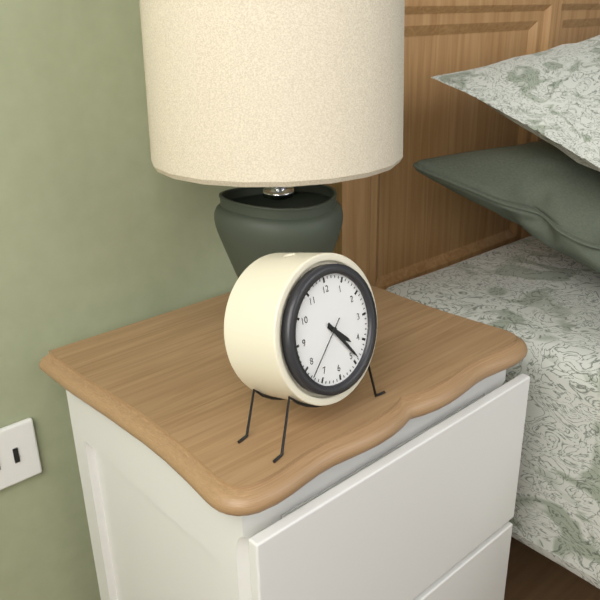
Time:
**4:24:38**
